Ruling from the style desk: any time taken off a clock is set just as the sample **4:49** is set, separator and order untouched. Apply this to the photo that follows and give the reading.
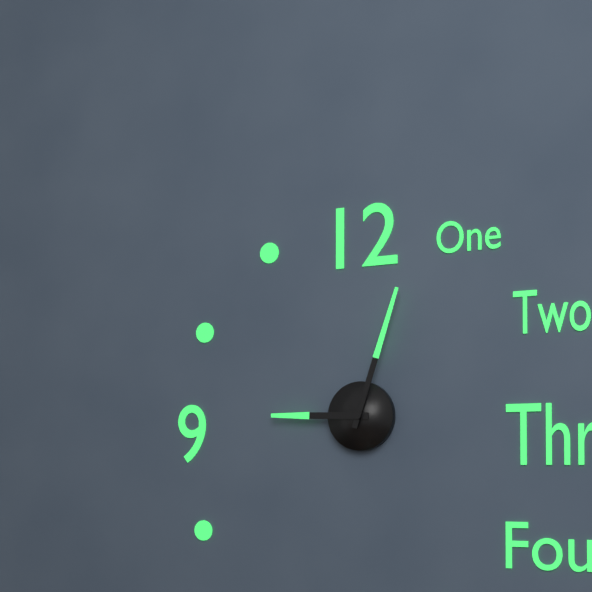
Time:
**9:03**
